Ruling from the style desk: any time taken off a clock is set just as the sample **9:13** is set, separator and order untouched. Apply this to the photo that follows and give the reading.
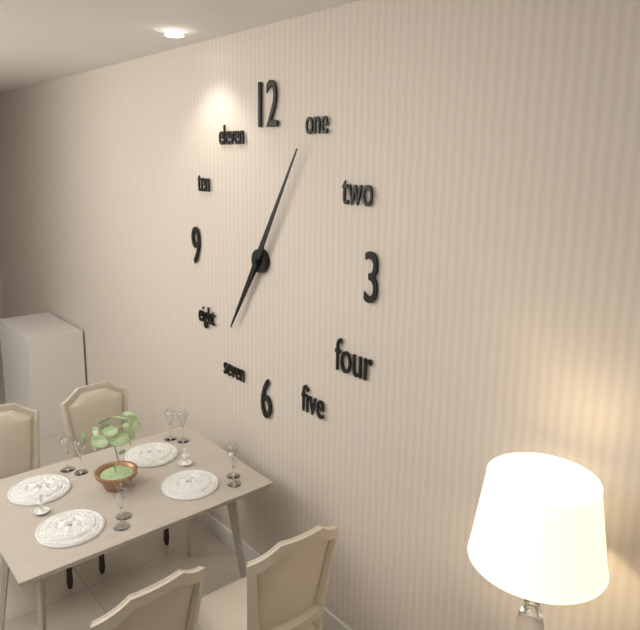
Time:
**7:05**
